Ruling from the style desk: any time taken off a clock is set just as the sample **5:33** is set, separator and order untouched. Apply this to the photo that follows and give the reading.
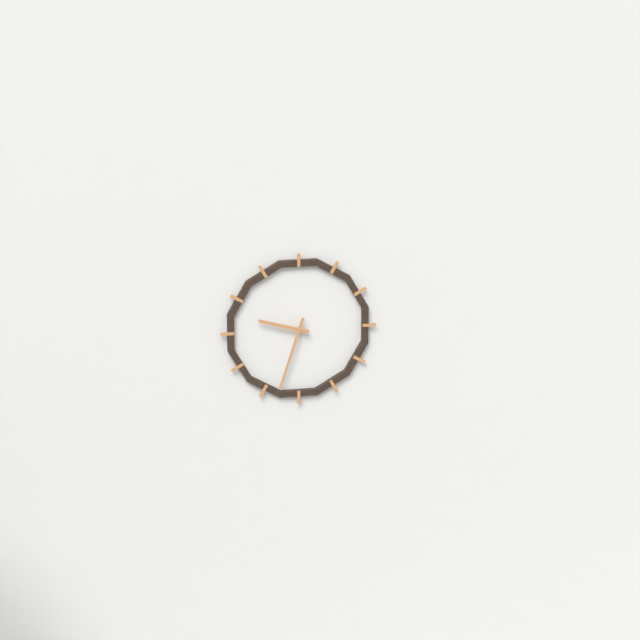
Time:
**9:33**
